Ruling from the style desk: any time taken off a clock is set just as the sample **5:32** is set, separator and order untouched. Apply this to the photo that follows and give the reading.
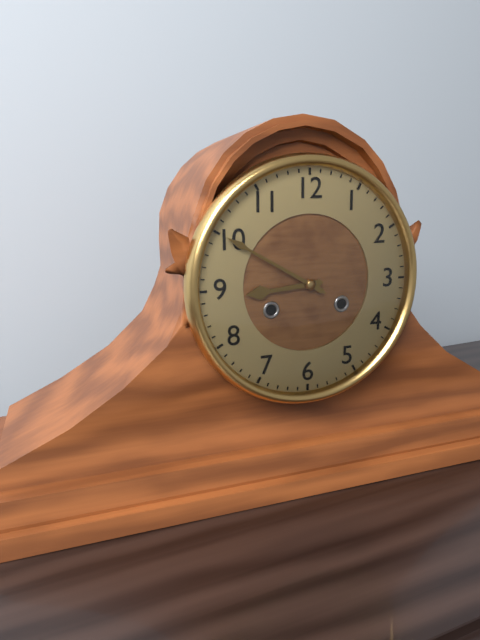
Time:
**8:50**
